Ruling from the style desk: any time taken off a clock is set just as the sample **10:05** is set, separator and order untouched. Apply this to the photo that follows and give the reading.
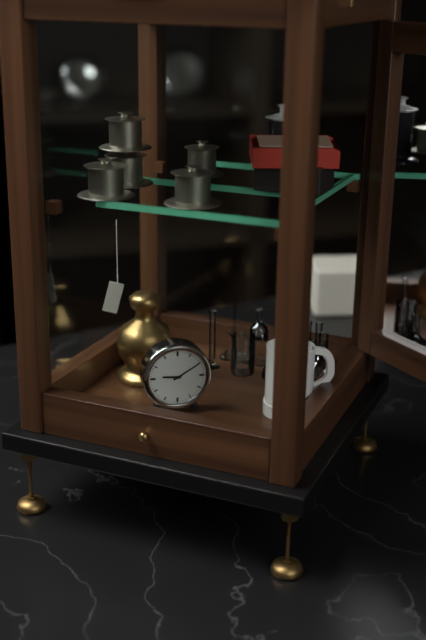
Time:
**9:10**
